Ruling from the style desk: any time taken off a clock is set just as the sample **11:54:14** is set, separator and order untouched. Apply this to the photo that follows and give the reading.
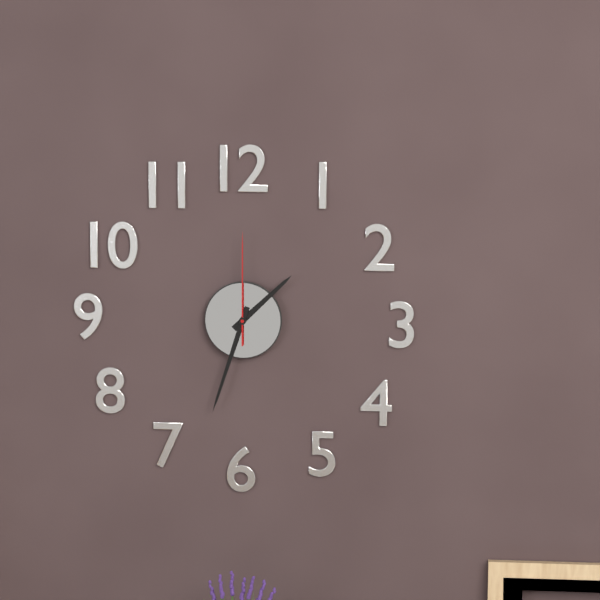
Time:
**1:33:00**
